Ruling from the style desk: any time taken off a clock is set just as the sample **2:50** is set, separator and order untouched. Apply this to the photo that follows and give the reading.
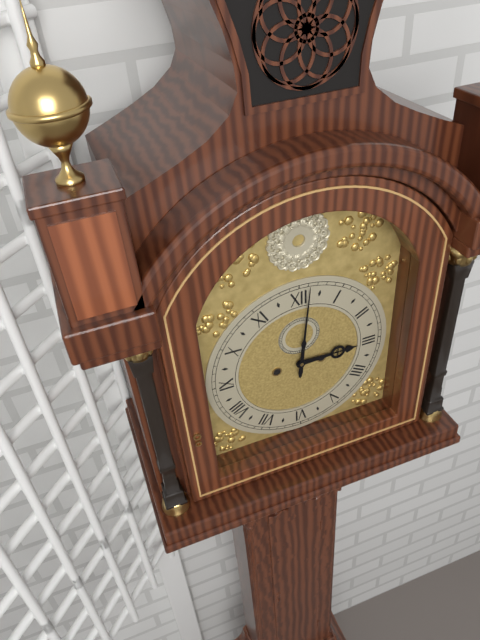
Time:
**3:01**
